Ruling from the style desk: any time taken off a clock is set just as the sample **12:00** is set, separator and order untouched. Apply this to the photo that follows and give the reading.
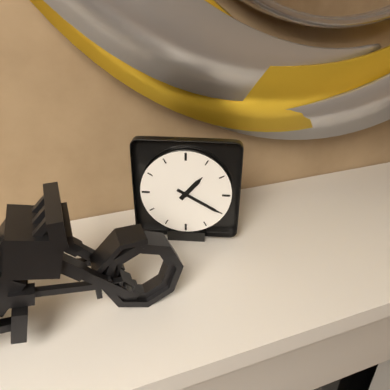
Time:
**1:20**
